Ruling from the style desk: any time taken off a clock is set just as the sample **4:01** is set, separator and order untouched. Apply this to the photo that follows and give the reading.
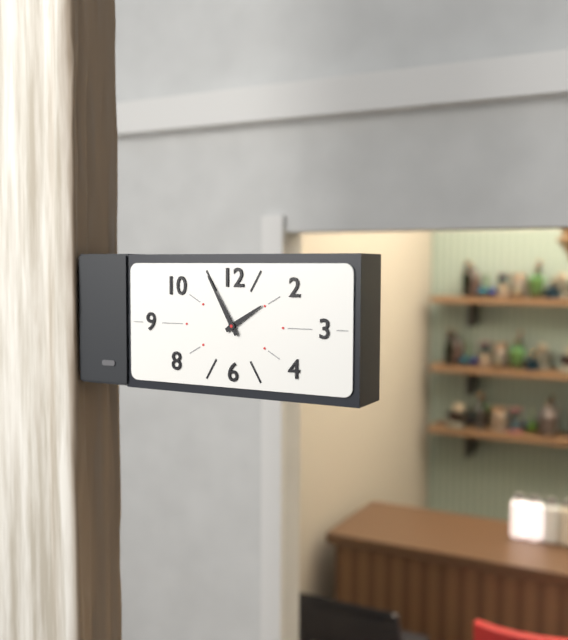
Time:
**1:55**
